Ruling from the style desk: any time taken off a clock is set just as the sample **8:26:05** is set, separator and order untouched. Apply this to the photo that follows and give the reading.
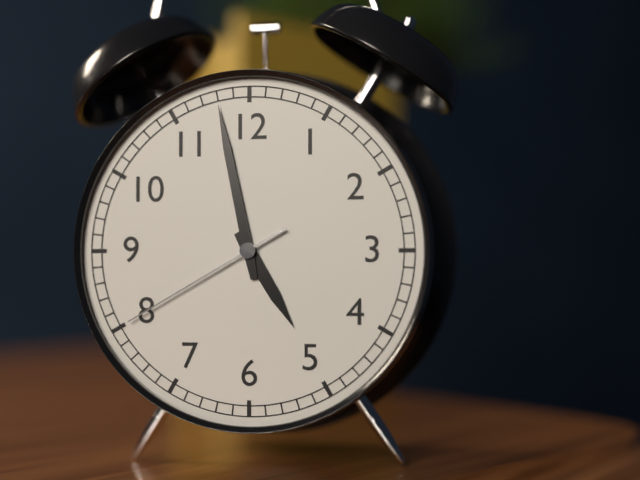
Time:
**4:58:40**
